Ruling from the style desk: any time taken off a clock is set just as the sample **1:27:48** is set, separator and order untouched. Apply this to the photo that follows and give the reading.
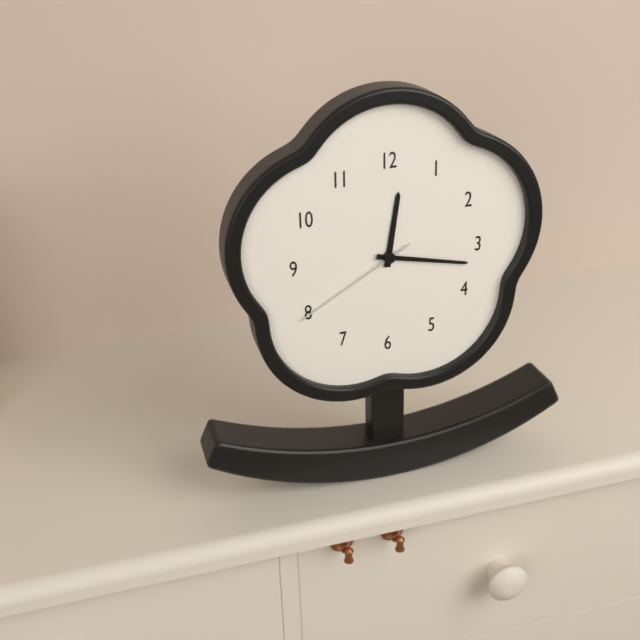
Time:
**12:17:40**
